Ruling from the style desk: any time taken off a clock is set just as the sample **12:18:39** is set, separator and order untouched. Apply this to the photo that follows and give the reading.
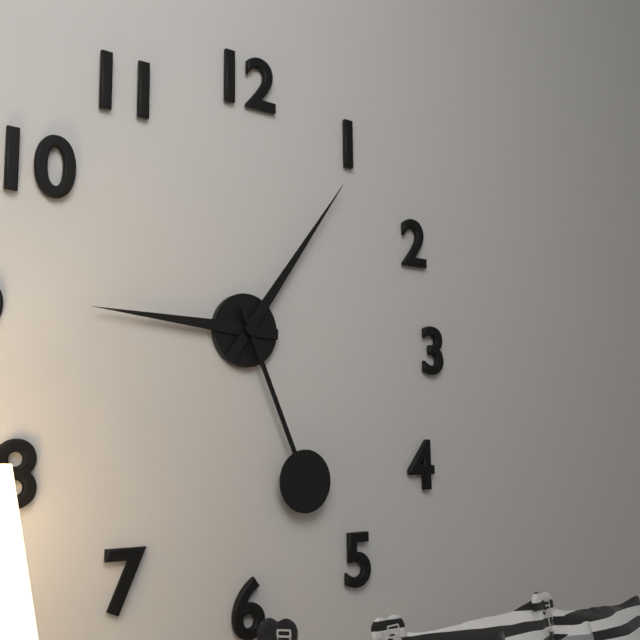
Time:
**9:06:26**
